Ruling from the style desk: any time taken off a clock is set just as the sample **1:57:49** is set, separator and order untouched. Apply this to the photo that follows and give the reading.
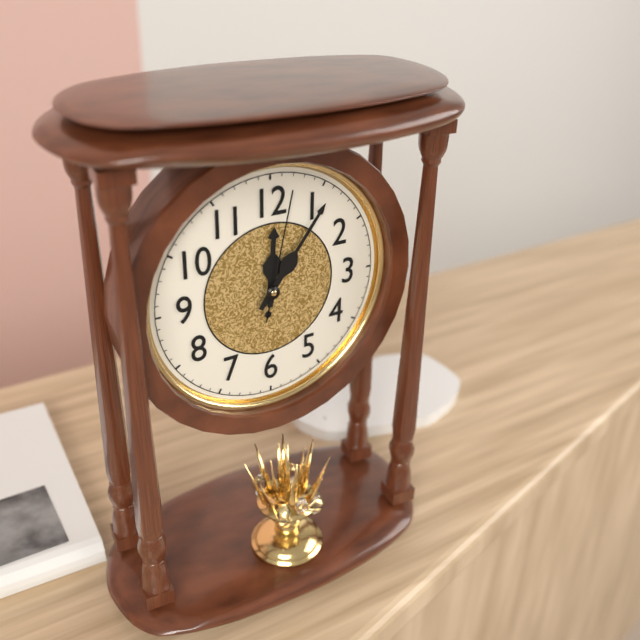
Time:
**12:06:02**
